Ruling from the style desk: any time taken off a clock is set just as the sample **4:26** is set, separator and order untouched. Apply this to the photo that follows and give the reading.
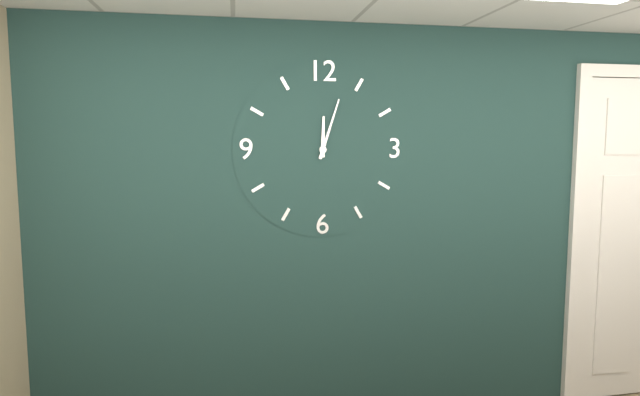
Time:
**12:03**
